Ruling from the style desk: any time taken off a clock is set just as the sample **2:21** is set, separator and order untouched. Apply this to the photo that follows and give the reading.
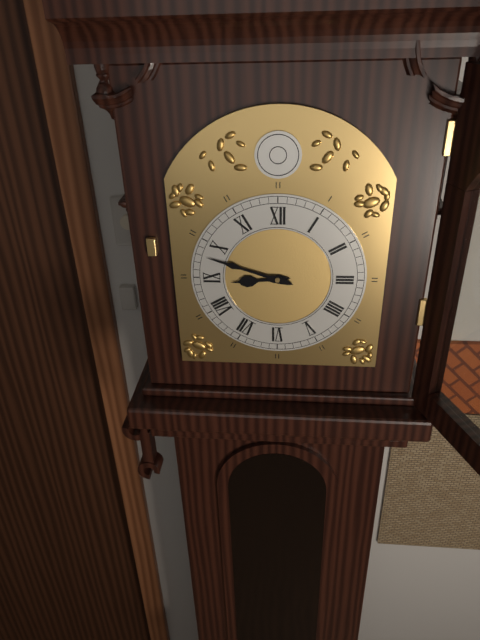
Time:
**8:48**
